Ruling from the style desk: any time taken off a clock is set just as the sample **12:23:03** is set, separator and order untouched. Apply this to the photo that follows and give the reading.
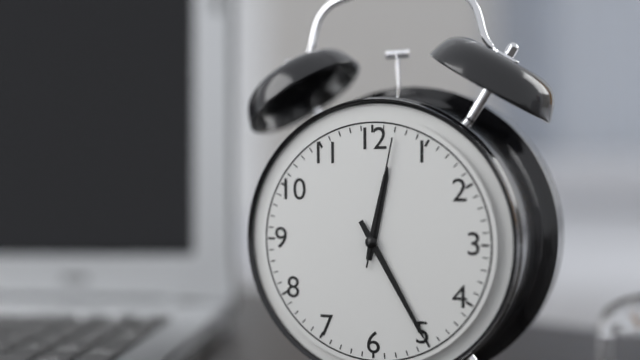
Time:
**12:25:02**
